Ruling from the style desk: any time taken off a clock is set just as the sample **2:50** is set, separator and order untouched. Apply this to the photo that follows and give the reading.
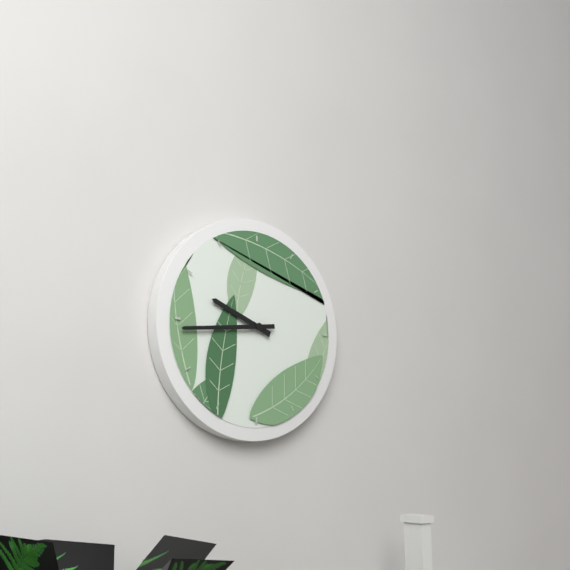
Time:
**9:44**
